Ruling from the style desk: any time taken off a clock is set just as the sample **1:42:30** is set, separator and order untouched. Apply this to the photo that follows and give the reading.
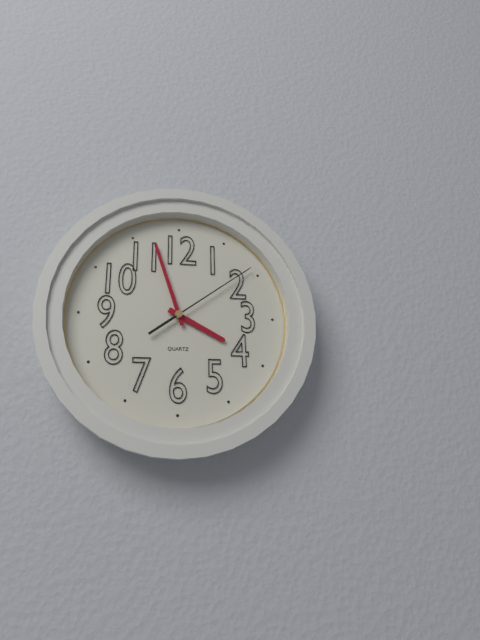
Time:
**3:57:09**
